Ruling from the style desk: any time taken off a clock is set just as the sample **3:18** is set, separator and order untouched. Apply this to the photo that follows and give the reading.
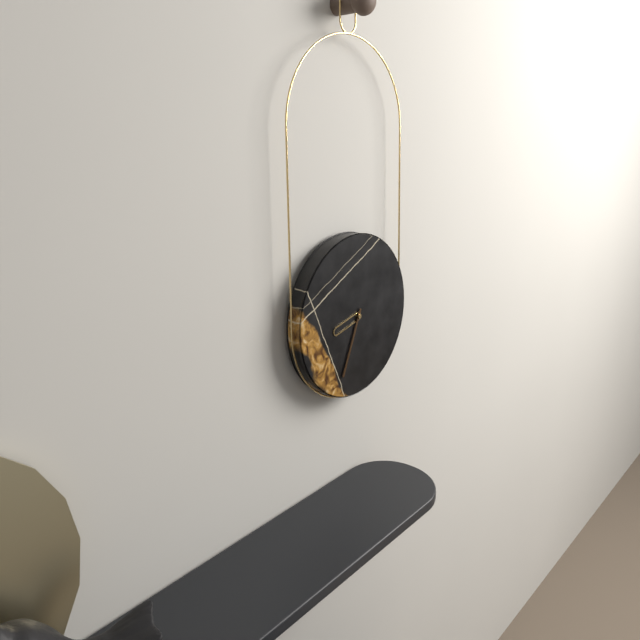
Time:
**8:34**
